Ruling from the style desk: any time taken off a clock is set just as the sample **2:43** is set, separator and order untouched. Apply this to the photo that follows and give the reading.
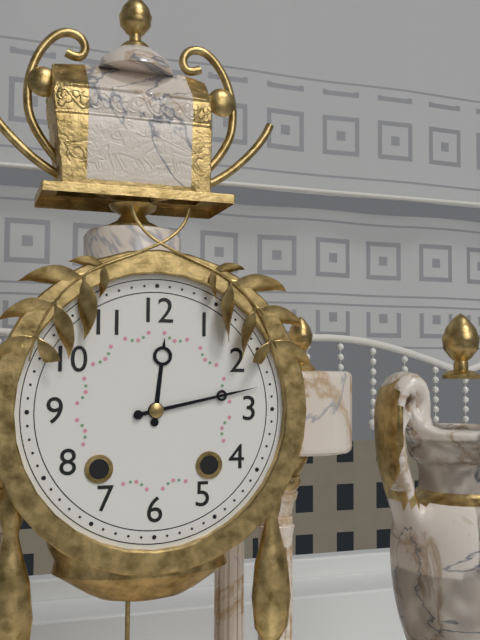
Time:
**12:13**
